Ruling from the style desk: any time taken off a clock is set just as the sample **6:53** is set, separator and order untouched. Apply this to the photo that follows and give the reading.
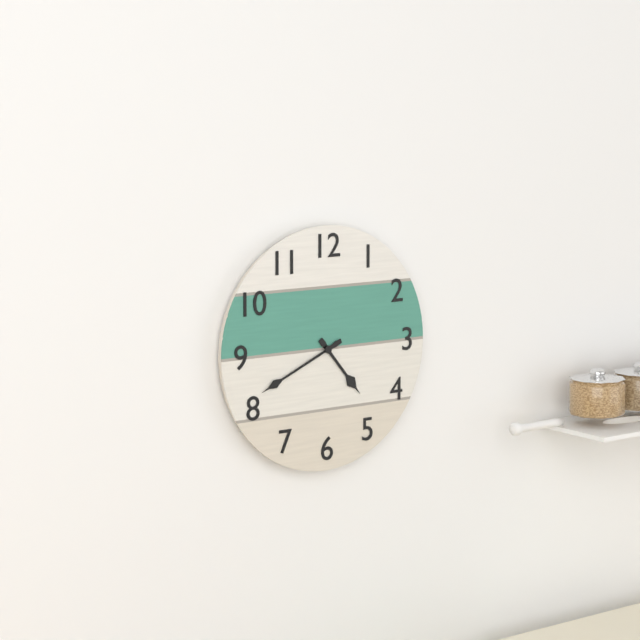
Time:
**4:41**
